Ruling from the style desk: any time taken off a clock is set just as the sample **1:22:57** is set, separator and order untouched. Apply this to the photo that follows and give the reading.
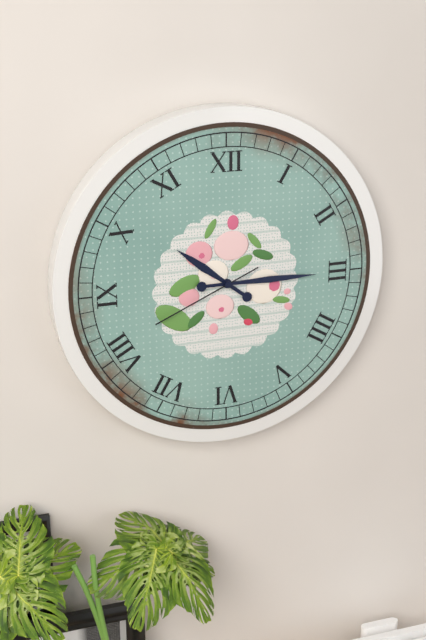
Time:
**10:15:41**
